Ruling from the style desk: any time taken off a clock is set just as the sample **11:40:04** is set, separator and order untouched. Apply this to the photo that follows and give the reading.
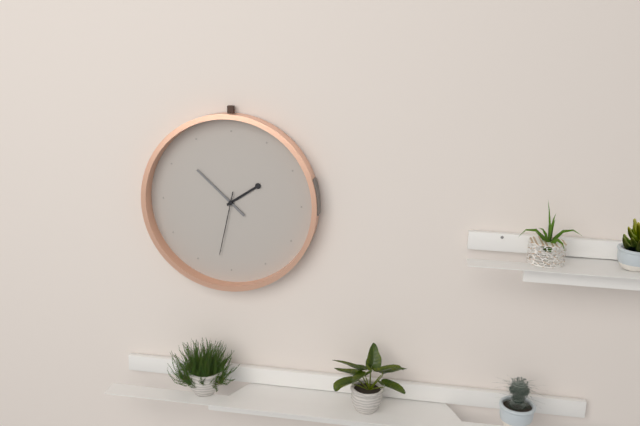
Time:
**1:52:32**
